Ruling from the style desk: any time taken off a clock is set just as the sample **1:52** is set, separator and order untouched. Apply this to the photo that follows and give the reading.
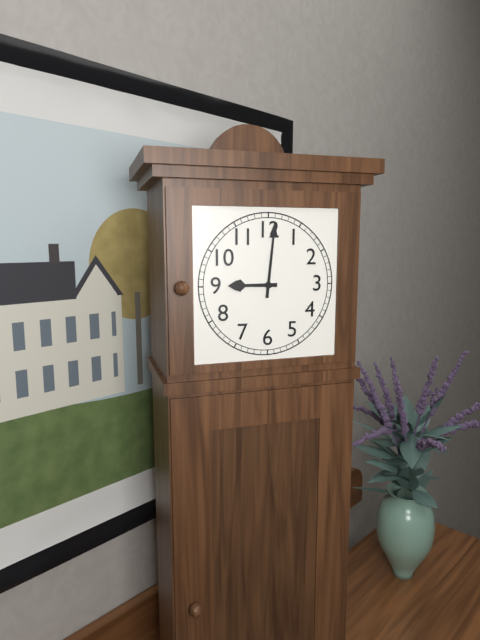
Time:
**9:01**
